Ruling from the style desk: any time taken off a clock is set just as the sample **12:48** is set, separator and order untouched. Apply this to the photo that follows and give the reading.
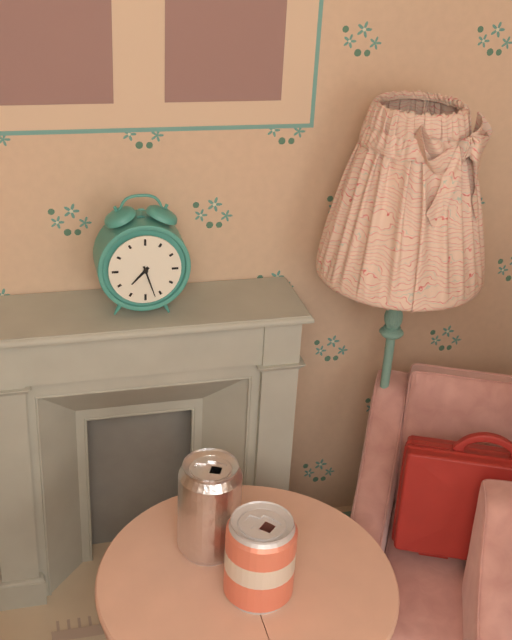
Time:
**7:27**
